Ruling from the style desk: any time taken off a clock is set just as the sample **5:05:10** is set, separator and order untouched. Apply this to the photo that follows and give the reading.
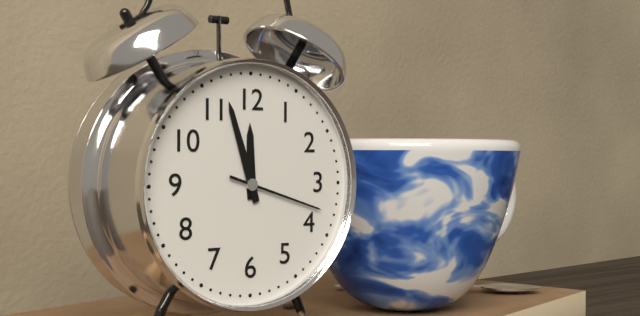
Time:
**11:57:18**
